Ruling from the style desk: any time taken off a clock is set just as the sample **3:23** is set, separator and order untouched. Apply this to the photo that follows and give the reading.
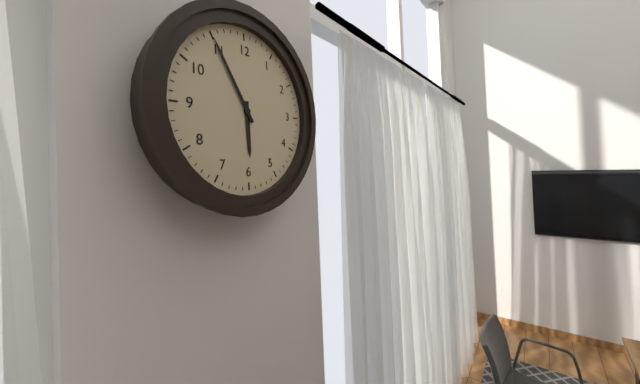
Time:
**5:55**
